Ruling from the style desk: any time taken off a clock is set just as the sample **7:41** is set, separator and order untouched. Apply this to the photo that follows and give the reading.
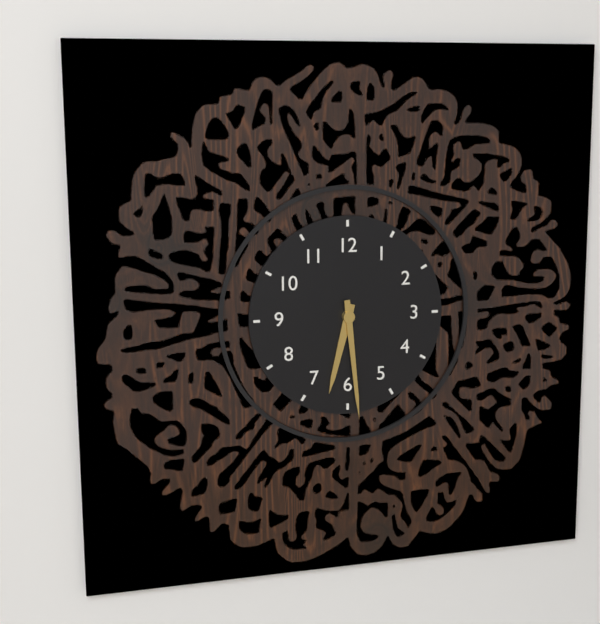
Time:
**6:29**
